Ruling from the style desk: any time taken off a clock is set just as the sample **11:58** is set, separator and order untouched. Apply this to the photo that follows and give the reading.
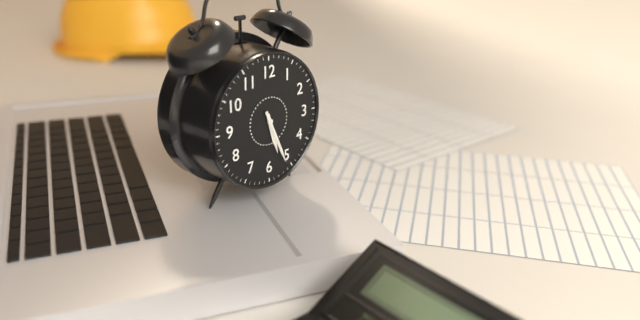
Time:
**5:26**
